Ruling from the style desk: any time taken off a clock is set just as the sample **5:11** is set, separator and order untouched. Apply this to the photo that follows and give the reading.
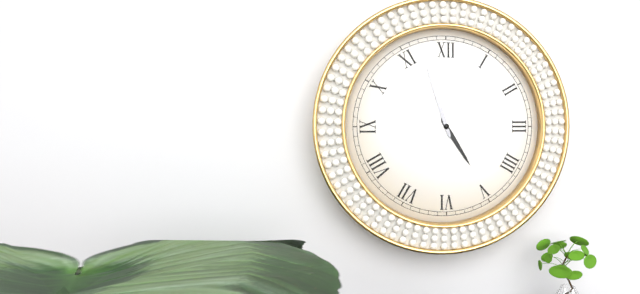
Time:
**4:57**
